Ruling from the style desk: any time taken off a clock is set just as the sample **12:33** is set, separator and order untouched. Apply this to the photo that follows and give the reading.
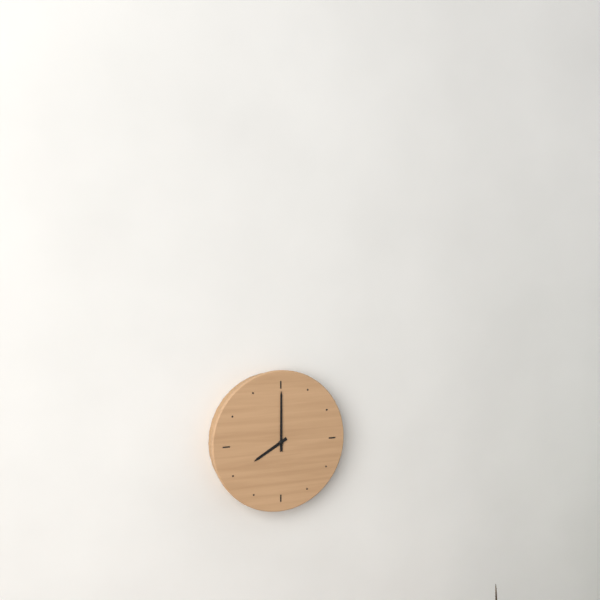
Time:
**8:00**
